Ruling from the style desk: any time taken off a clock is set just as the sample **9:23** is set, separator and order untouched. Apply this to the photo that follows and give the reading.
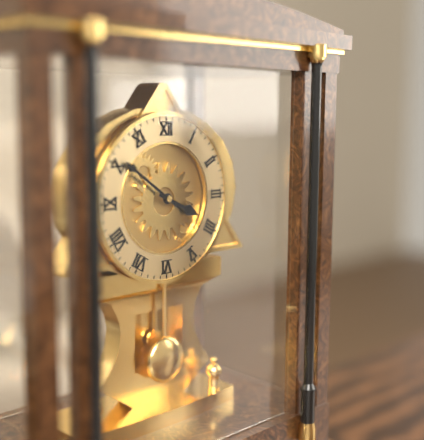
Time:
**3:51**
